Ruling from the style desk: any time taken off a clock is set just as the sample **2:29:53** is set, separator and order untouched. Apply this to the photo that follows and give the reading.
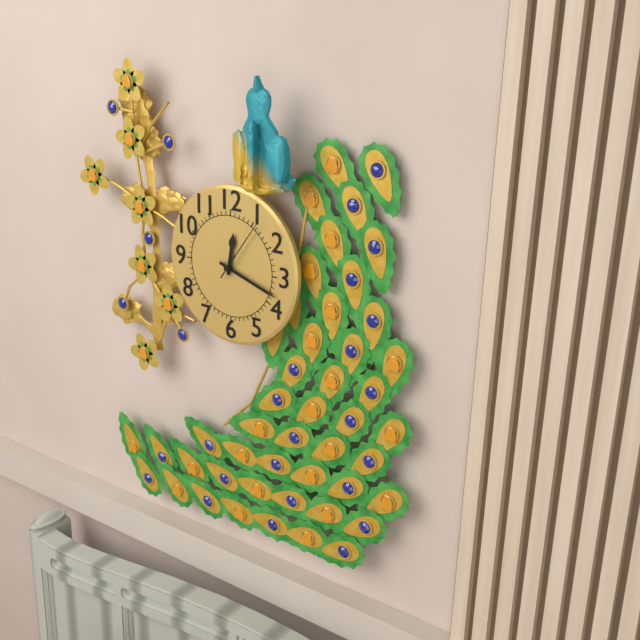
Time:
**12:18:06**
